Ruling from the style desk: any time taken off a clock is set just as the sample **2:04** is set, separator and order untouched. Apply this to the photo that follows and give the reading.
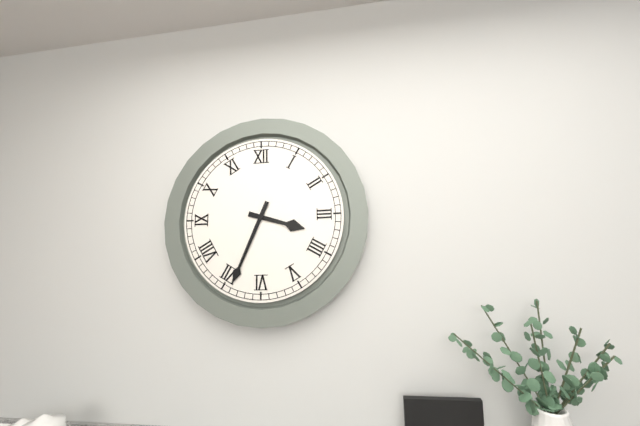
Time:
**3:34**
